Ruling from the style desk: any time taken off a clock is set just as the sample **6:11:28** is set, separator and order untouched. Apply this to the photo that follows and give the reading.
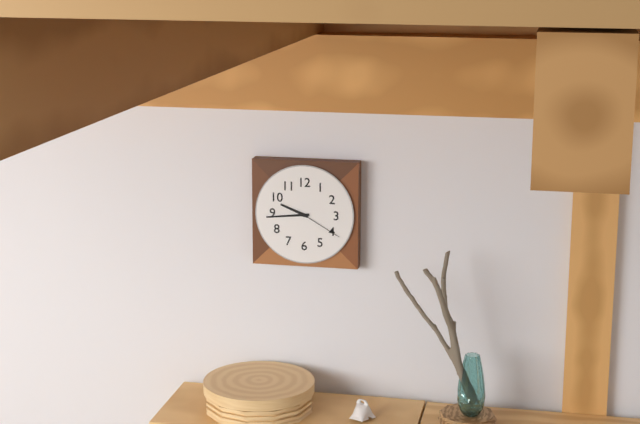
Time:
**9:44:20**
